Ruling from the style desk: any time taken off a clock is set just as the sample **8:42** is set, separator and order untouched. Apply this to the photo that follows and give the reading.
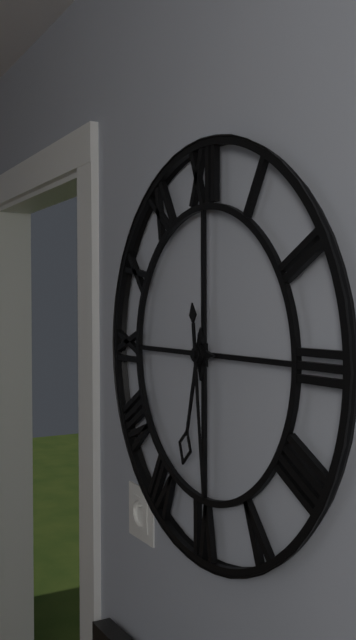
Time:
**6:29**
